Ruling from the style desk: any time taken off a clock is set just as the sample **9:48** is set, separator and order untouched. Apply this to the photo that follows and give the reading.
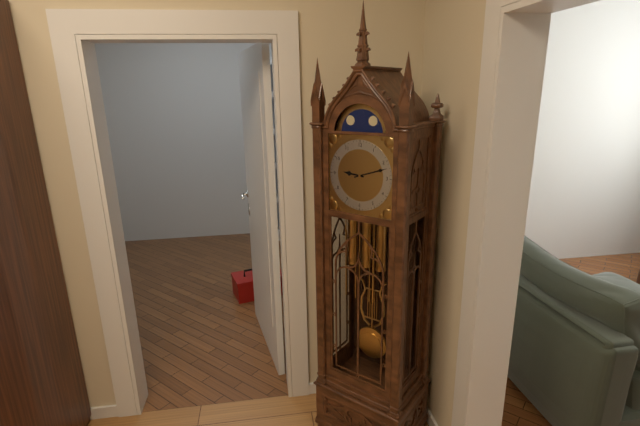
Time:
**9:12**
